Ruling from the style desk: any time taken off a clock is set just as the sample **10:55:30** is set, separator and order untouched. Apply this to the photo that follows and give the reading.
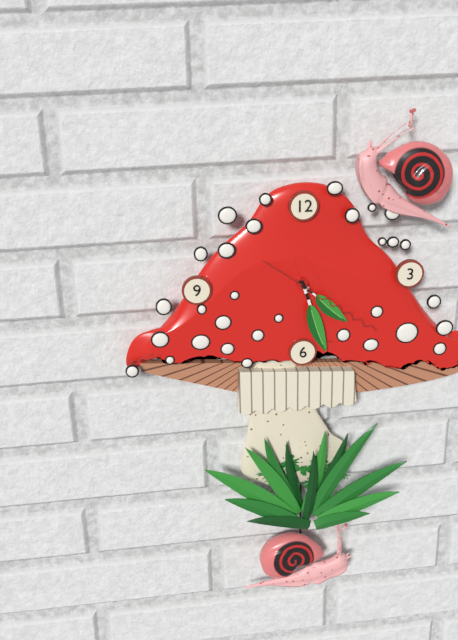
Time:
**4:27:21**
